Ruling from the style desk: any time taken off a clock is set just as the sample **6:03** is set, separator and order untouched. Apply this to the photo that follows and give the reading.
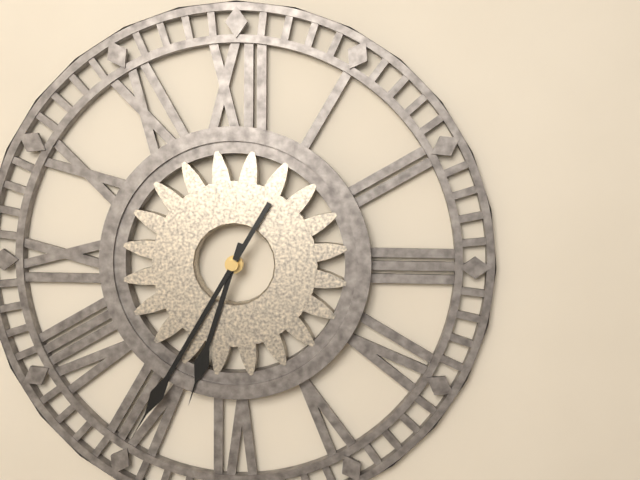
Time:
**6:35**
